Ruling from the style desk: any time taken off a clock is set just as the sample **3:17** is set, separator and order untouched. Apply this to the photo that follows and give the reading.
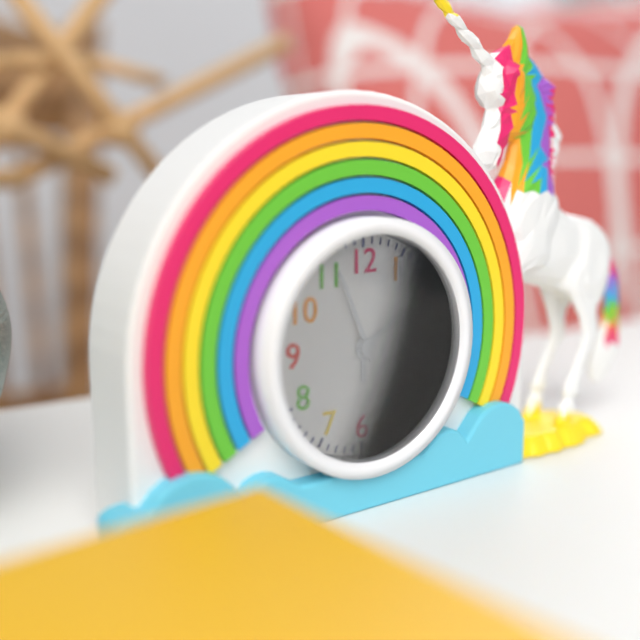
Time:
**1:56**
